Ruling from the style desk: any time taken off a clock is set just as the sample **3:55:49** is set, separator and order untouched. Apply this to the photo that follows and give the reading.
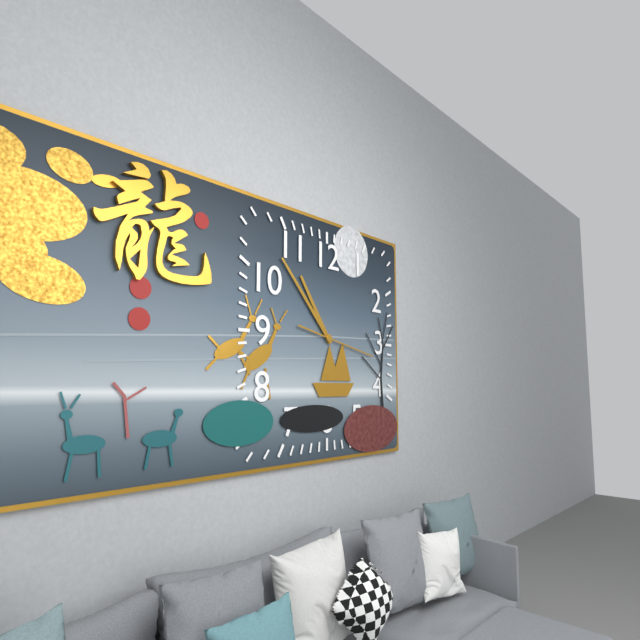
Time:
**10:53:17**
